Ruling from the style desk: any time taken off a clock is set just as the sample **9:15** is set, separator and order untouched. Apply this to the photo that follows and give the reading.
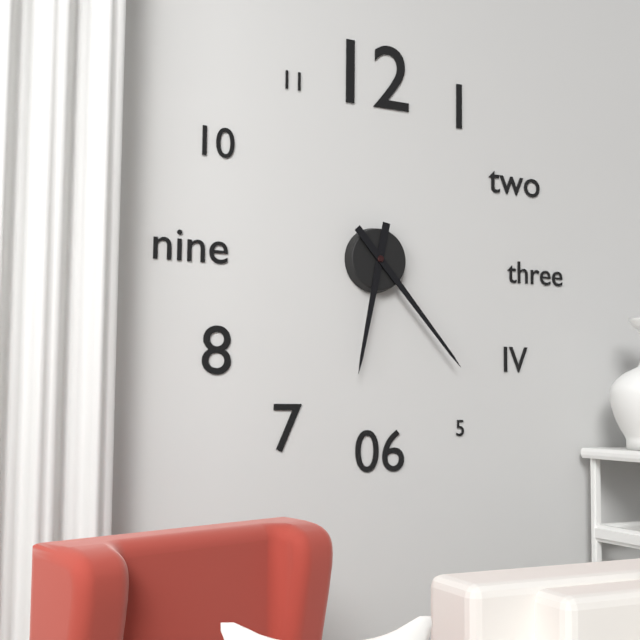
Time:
**6:23**
